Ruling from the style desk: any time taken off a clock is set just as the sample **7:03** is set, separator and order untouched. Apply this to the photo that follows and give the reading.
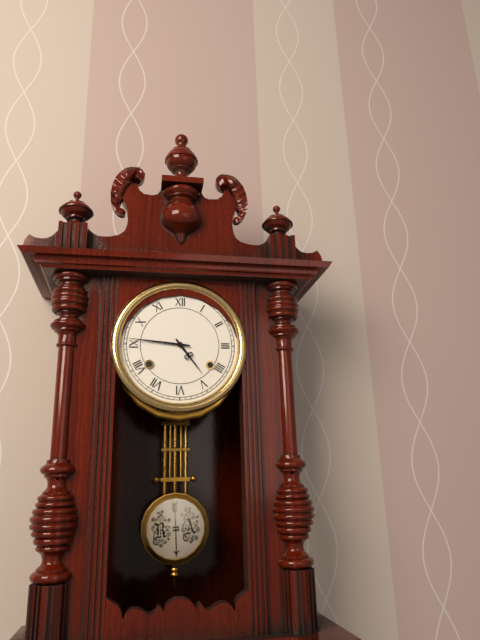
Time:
**4:46**
